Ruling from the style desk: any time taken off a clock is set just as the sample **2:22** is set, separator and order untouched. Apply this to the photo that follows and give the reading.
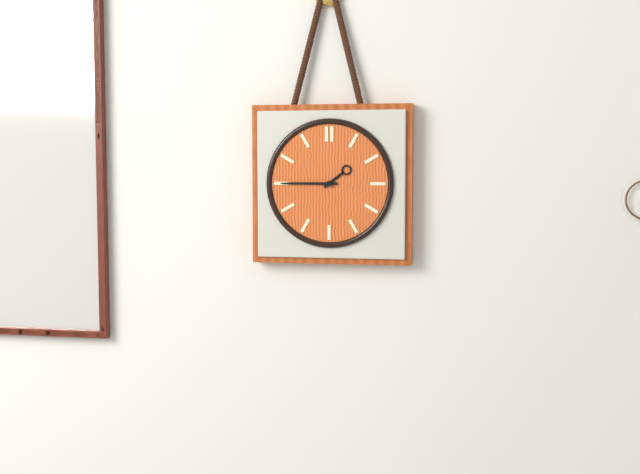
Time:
**1:45**
